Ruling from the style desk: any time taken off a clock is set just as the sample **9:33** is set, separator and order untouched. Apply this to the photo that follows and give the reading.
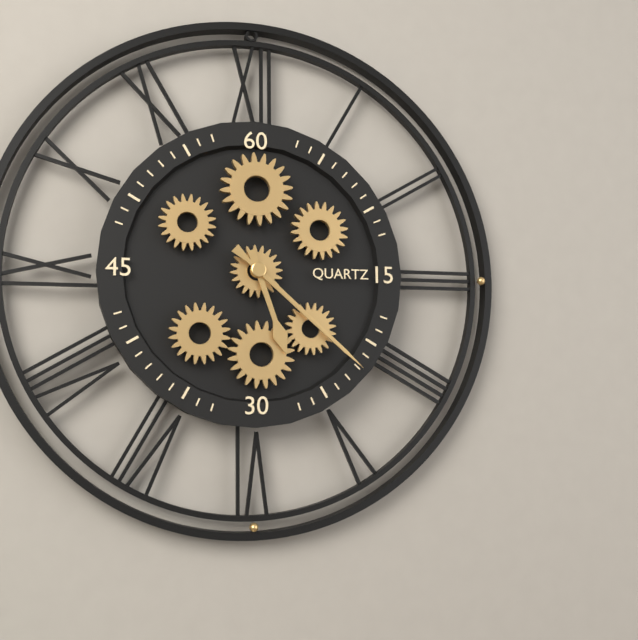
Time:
**5:22**
